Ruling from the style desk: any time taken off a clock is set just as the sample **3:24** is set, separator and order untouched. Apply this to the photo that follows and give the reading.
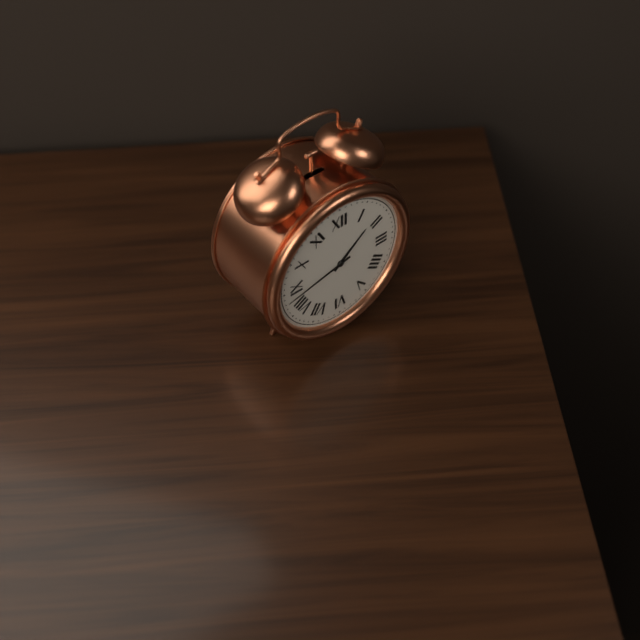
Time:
**1:43**
